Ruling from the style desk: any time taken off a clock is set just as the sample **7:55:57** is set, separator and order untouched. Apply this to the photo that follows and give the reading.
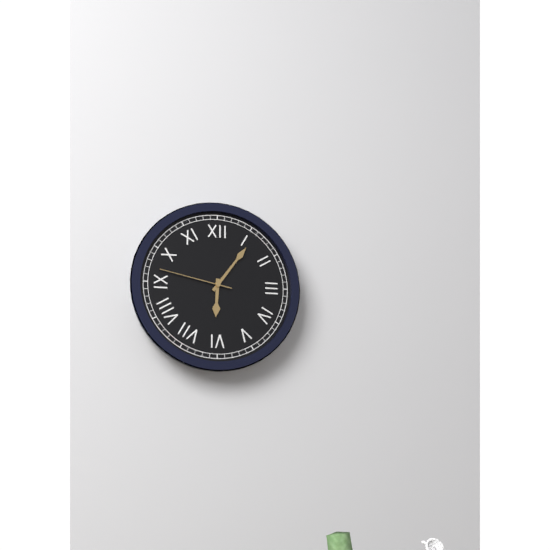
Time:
**6:06:47**
